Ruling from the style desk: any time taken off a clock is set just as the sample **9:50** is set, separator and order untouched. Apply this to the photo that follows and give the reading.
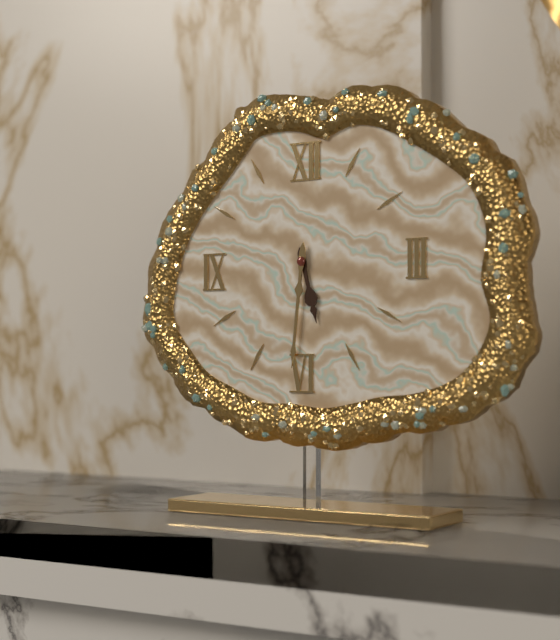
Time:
**5:31**
